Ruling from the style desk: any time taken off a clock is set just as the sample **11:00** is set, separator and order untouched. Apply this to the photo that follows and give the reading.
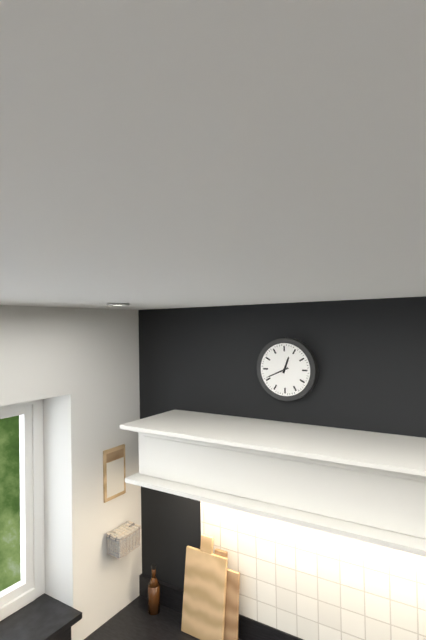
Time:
**12:41**
